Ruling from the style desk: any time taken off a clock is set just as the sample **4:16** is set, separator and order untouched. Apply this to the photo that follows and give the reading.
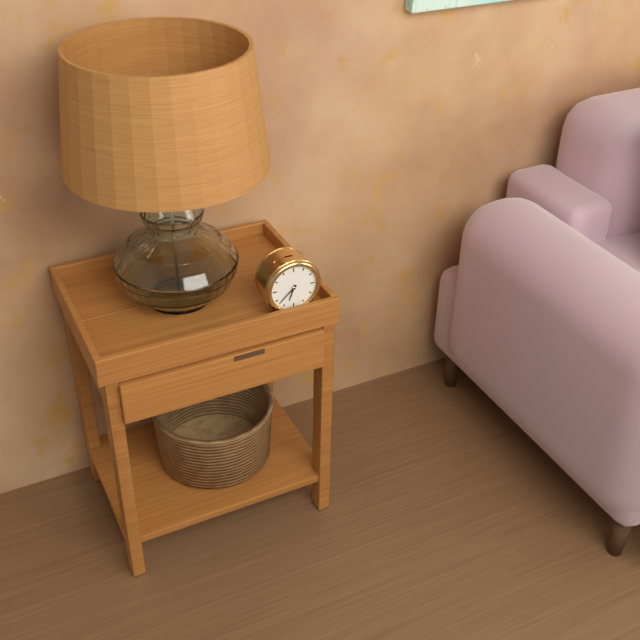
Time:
**6:38**
